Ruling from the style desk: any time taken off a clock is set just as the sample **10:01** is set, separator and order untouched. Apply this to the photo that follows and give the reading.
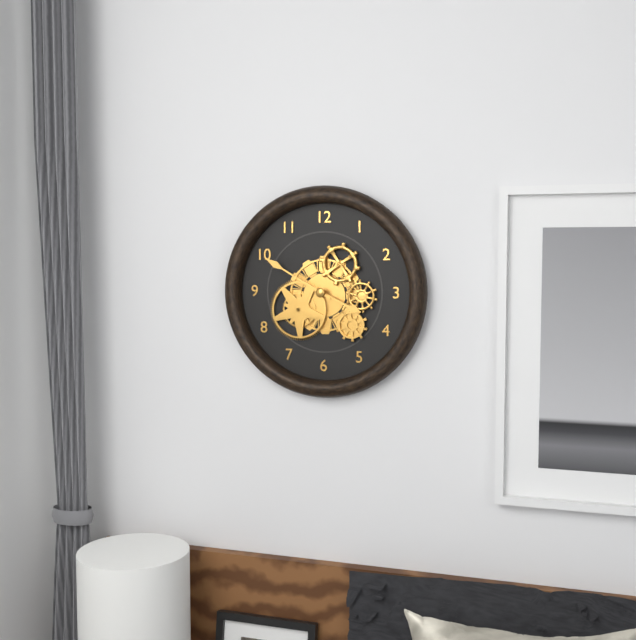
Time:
**3:50**
